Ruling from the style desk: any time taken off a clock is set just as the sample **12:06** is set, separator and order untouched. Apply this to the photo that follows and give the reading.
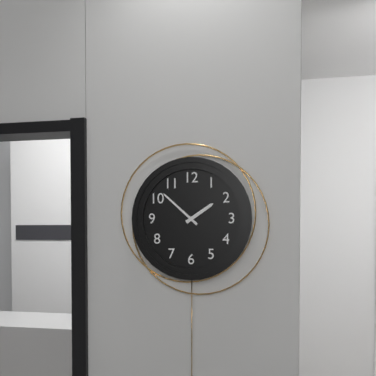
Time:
**1:52**
